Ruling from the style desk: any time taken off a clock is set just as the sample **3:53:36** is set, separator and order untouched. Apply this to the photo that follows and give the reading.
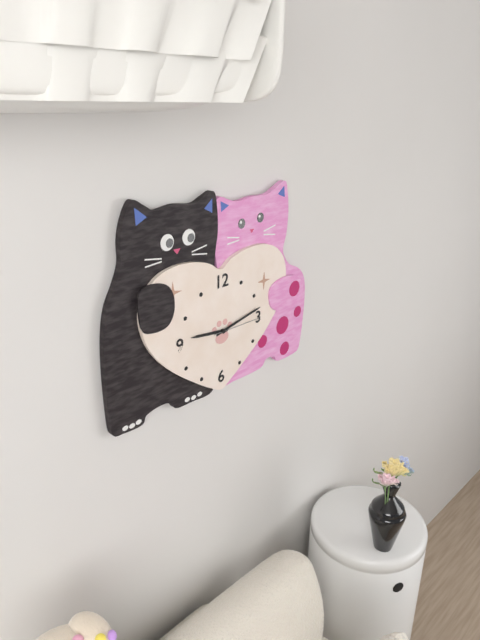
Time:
**9:13:15**
